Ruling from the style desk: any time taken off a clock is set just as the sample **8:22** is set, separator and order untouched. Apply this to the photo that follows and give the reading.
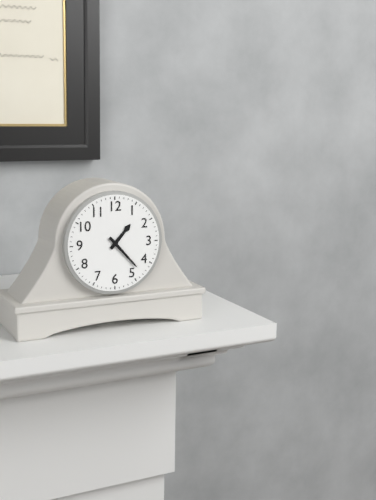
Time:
**1:23**
